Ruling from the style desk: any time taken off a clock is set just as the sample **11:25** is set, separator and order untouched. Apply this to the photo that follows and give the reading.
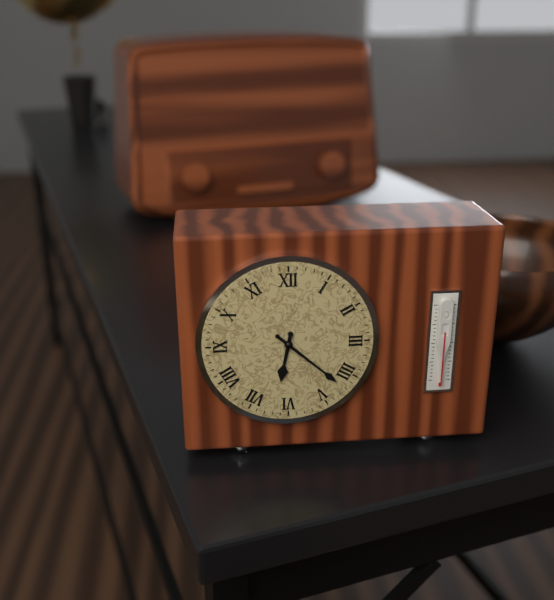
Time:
**6:22**
